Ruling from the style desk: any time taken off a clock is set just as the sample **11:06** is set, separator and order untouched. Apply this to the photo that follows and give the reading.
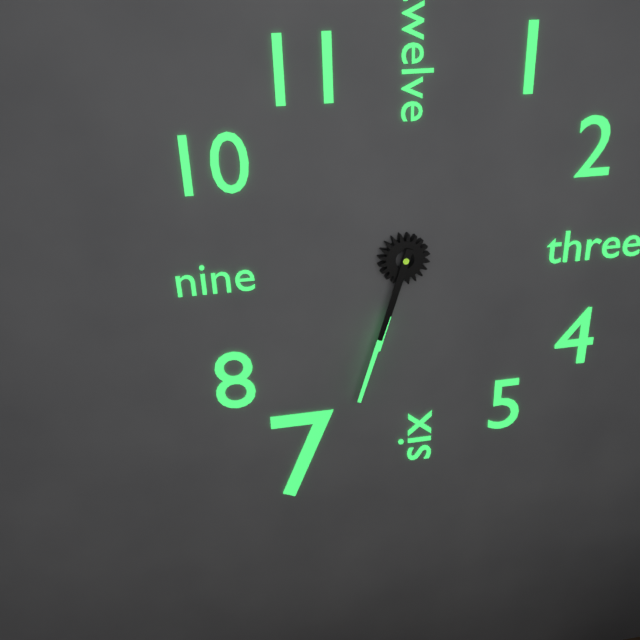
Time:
**6:33**
